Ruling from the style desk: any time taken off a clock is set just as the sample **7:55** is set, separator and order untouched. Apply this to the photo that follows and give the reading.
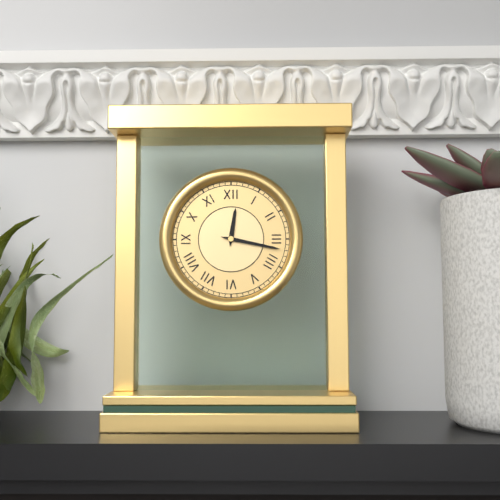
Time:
**12:17**
